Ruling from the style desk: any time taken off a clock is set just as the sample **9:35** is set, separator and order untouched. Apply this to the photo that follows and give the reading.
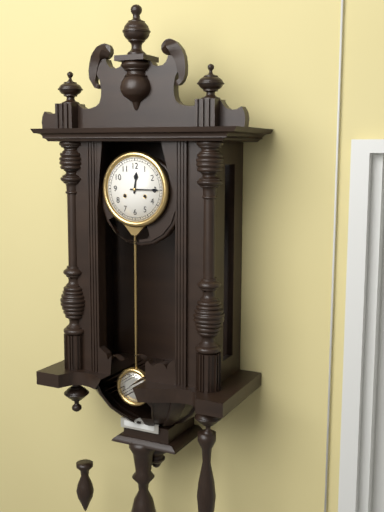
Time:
**12:15**
